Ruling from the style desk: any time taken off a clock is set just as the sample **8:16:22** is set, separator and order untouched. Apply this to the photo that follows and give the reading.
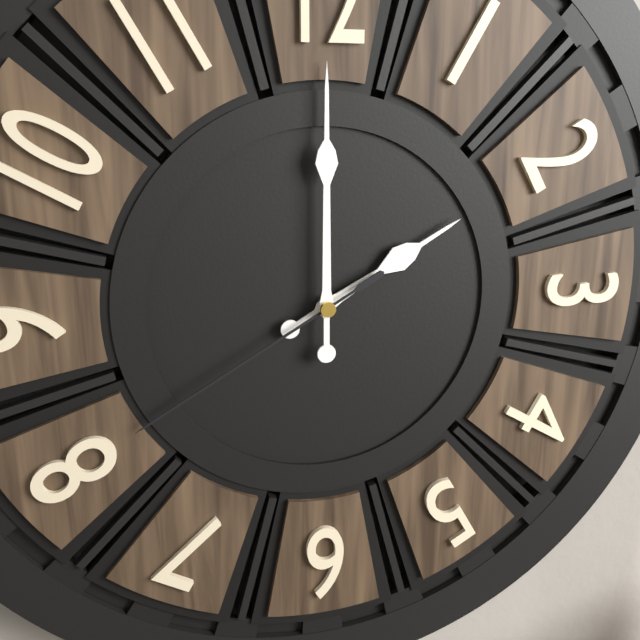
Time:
**2:00:40**
